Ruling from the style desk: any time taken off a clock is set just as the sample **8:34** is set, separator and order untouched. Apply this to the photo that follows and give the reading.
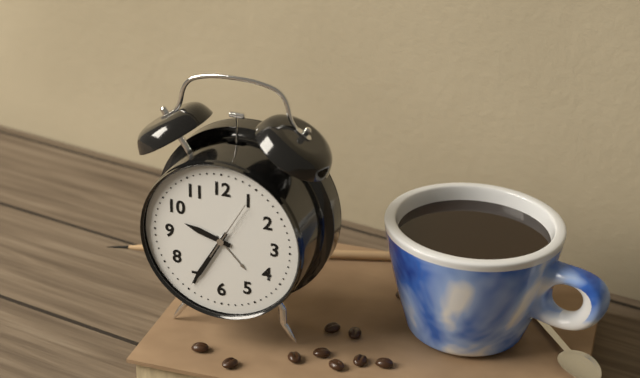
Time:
**9:35**
